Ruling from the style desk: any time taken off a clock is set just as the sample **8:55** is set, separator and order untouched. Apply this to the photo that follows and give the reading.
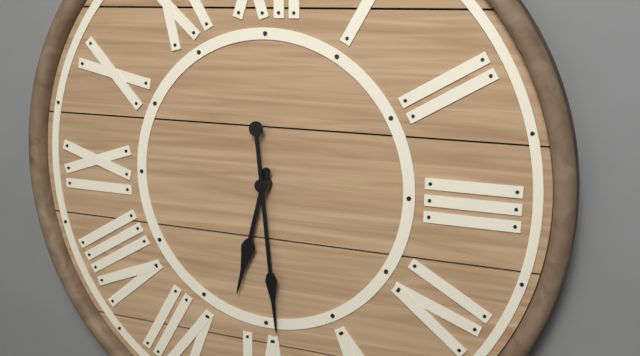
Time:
**6:29**
